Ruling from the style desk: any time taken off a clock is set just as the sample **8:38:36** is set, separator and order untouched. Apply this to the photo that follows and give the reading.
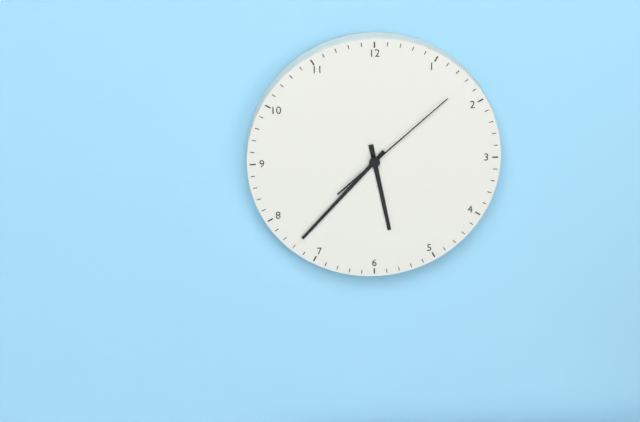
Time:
**5:37:08**
